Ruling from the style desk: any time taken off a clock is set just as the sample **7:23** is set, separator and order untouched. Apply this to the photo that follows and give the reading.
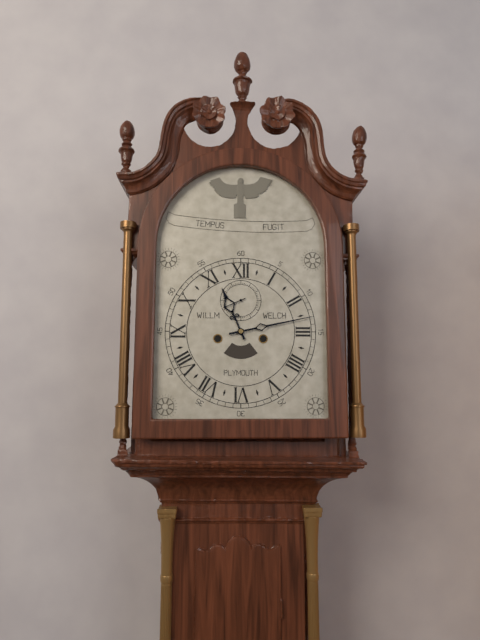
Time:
**11:13**
